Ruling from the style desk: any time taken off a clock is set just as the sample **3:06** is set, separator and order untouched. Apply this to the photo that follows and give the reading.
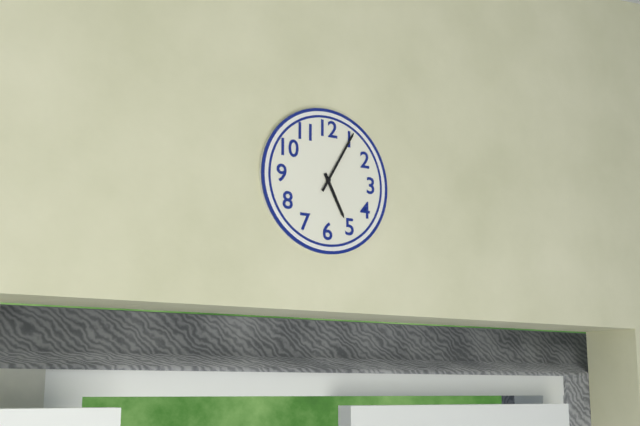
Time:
**5:05**
